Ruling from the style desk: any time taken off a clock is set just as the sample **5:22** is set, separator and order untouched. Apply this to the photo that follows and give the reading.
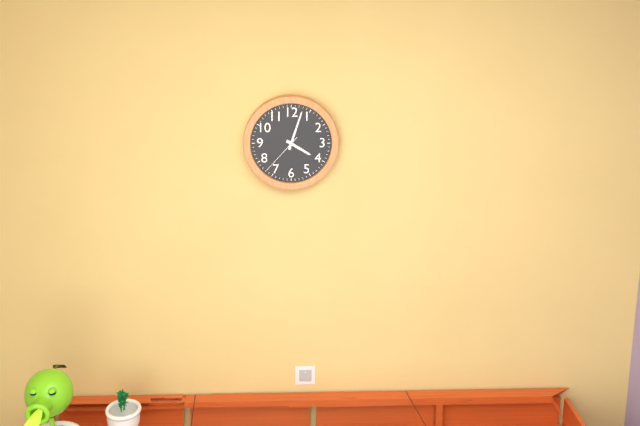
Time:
**4:03**
